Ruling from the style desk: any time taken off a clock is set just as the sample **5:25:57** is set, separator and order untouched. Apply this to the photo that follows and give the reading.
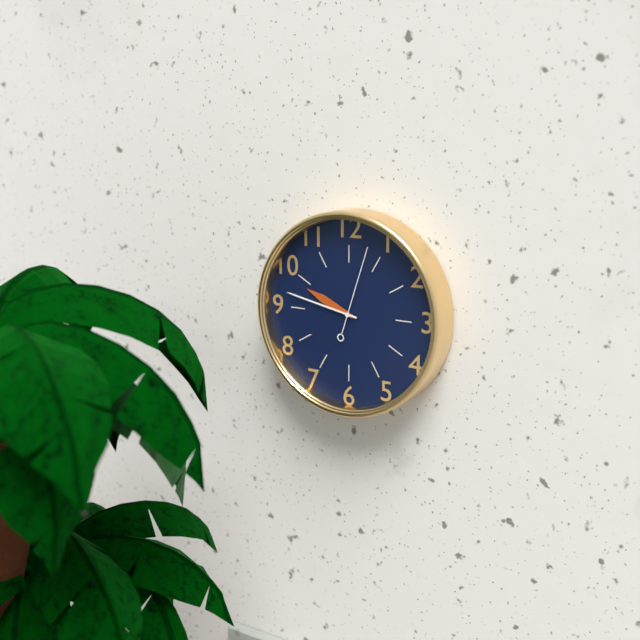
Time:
**9:47:03**
